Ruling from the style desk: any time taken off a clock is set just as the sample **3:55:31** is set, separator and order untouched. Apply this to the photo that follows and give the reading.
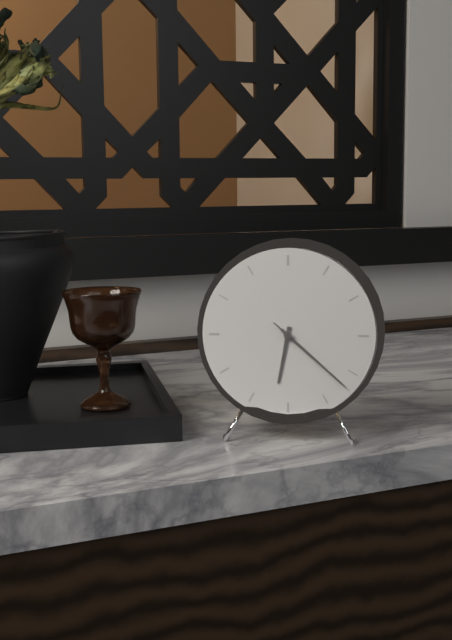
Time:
**6:22:22**
